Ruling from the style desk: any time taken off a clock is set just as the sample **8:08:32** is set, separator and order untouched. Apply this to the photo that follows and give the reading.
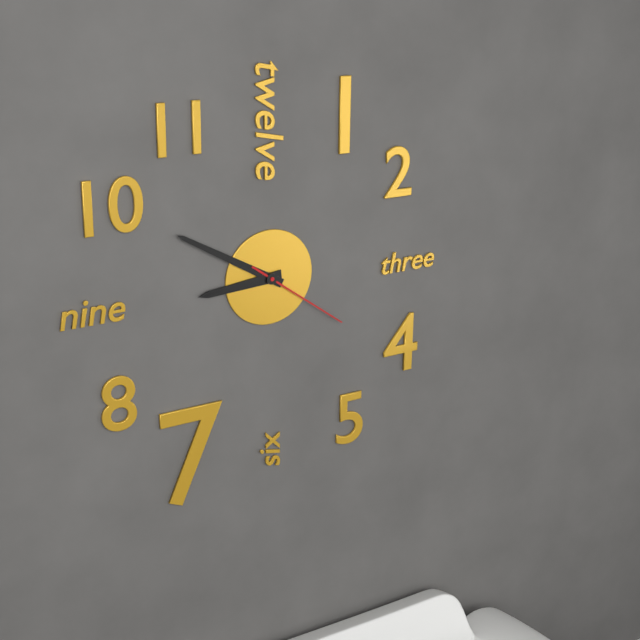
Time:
**8:50:21**
